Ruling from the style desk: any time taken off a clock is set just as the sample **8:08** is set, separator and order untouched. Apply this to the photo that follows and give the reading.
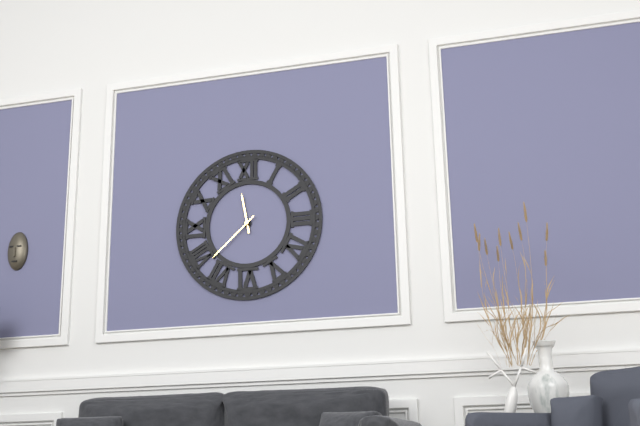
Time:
**11:38**
